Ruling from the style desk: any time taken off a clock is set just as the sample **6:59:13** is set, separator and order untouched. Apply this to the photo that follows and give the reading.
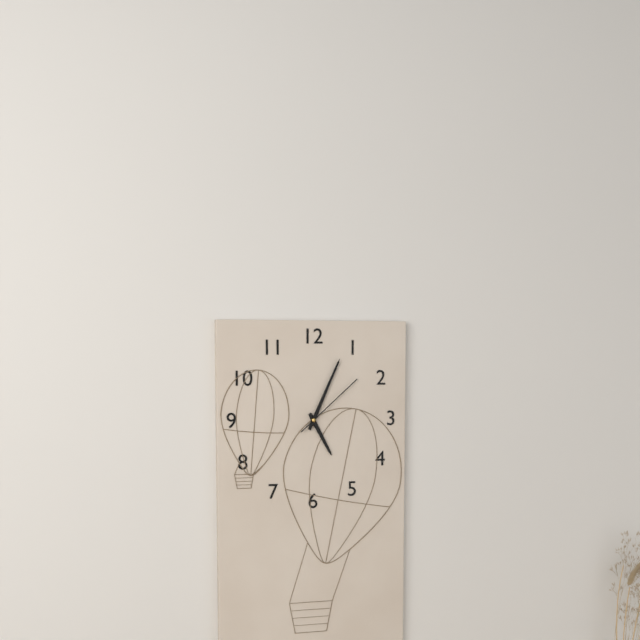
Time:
**5:04:08**
